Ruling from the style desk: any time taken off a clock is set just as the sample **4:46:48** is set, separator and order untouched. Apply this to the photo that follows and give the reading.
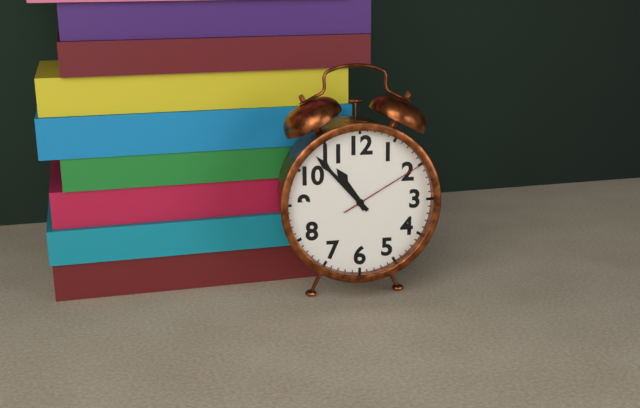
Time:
**10:53:10**
